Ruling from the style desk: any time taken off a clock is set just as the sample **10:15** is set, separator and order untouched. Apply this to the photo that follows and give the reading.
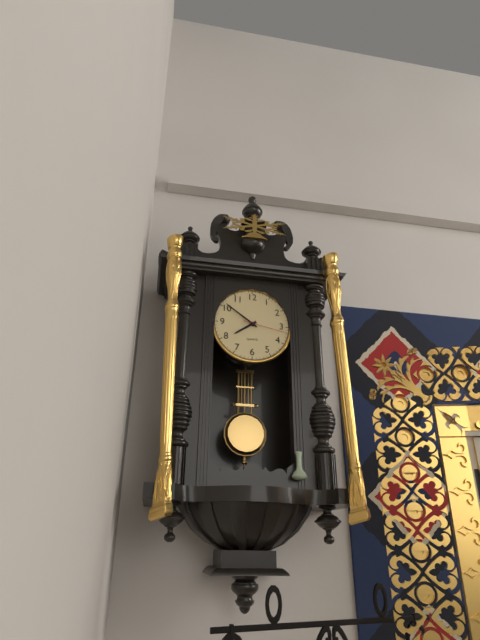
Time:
**7:51**
